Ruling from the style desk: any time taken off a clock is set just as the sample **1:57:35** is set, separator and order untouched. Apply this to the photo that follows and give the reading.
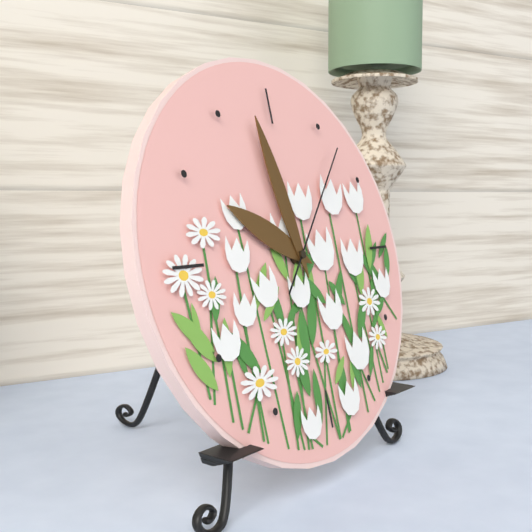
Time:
**9:58:07**
